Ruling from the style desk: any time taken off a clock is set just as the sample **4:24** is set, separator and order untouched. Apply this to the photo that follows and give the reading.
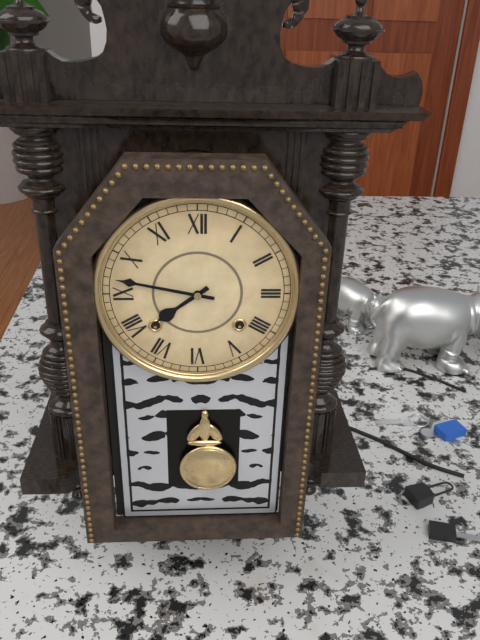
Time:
**7:47**
